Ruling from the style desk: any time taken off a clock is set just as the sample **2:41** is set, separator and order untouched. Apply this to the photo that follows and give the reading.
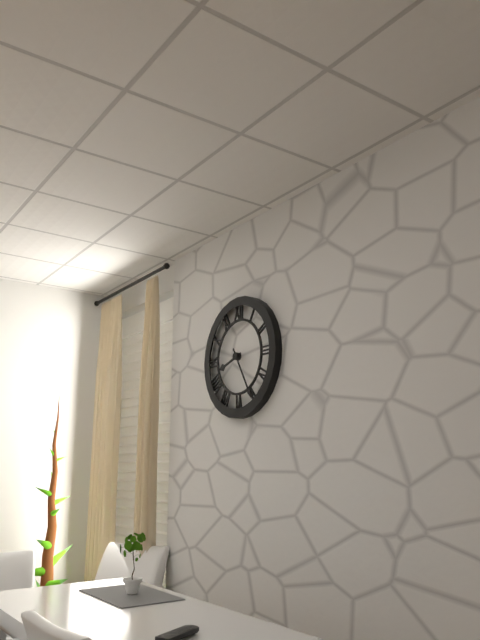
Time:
**8:25**
